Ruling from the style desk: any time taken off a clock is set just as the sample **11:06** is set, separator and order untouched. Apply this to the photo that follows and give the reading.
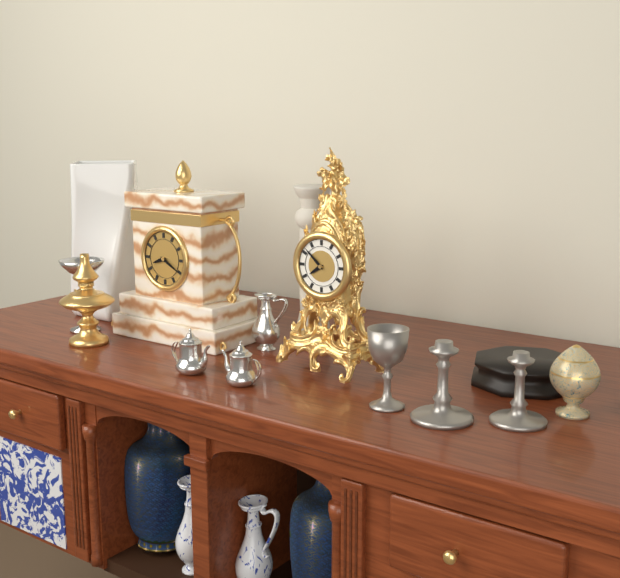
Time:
**7:52**
